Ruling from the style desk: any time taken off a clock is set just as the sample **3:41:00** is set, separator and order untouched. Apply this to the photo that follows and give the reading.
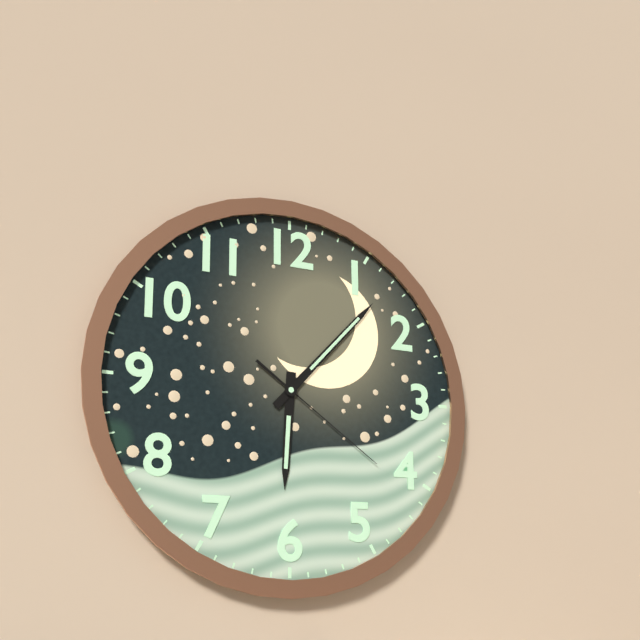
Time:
**6:07:21**
